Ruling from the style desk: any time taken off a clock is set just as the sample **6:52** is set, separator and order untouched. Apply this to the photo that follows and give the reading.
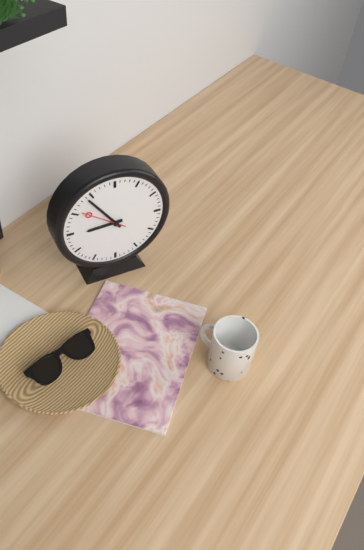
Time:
**8:54**
